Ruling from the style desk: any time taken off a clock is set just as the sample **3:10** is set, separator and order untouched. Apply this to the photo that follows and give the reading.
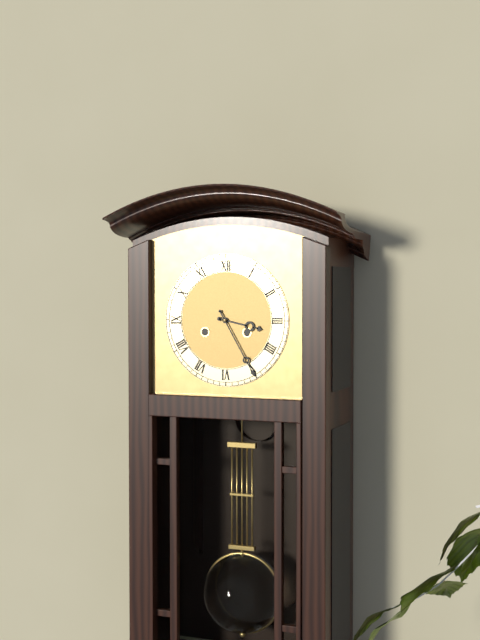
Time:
**3:25**
